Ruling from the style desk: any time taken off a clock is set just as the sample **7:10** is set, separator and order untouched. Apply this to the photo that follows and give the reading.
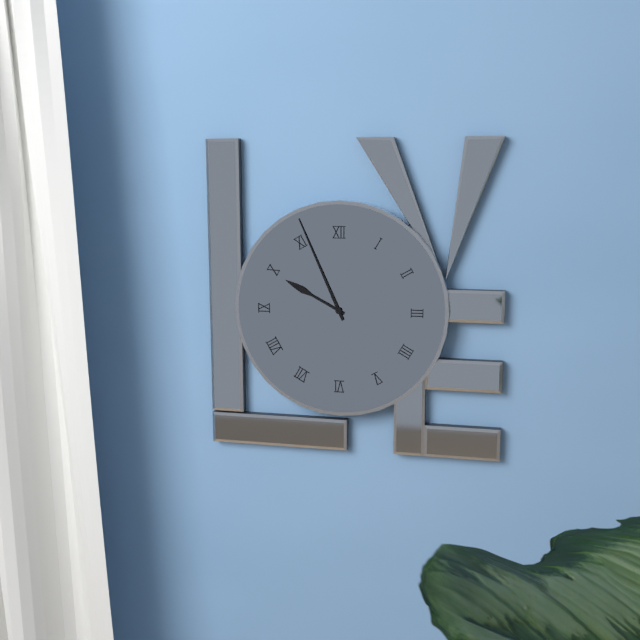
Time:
**9:56**
